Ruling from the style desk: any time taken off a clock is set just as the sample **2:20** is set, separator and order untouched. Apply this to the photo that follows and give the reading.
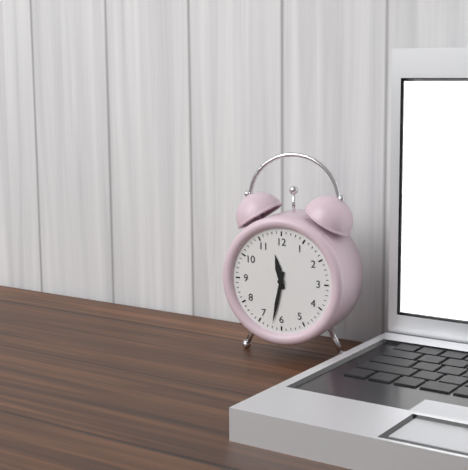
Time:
**11:32**
